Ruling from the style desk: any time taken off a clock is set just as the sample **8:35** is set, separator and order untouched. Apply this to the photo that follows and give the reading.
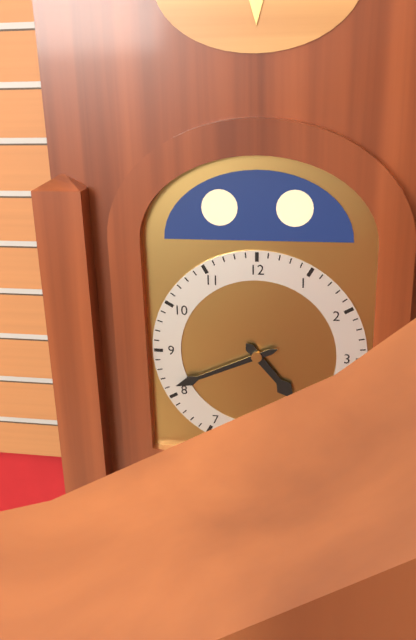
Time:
**4:41**
